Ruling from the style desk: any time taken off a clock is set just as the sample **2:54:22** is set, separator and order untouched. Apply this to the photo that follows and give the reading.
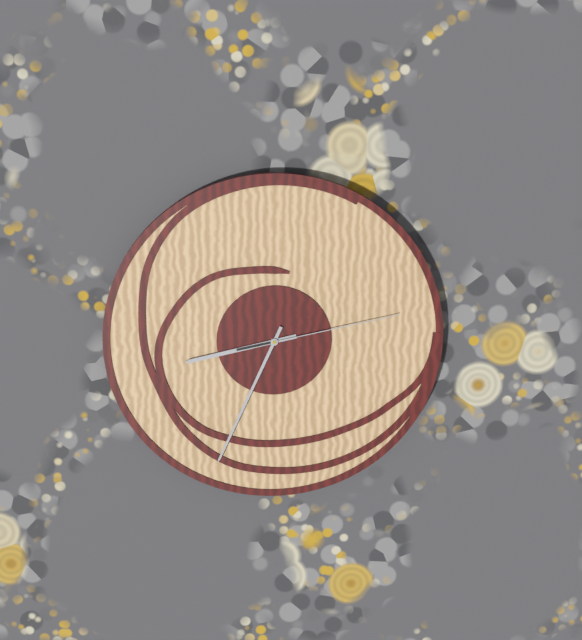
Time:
**8:34:13**
